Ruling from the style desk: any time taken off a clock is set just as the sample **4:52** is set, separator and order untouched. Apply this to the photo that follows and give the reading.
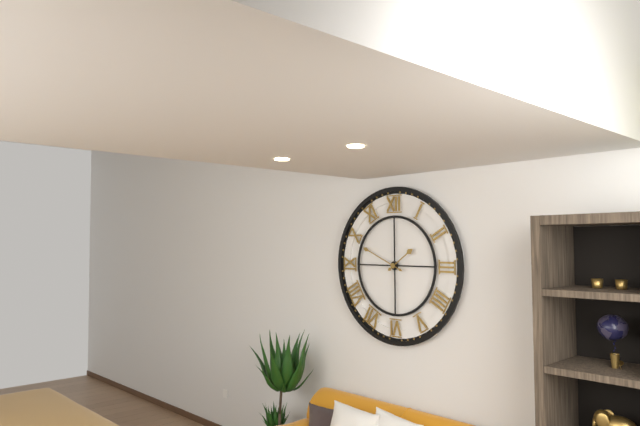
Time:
**1:49**
